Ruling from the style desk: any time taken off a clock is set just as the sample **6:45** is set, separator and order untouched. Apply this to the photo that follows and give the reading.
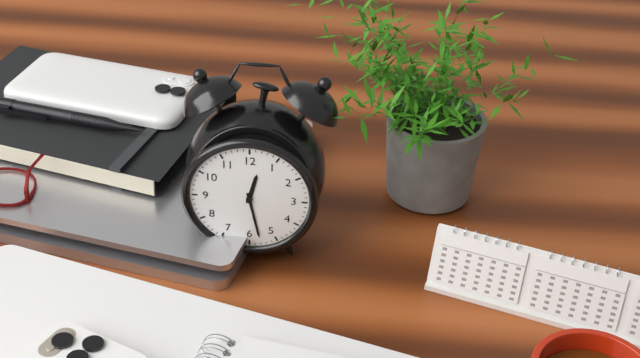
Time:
**12:28**
